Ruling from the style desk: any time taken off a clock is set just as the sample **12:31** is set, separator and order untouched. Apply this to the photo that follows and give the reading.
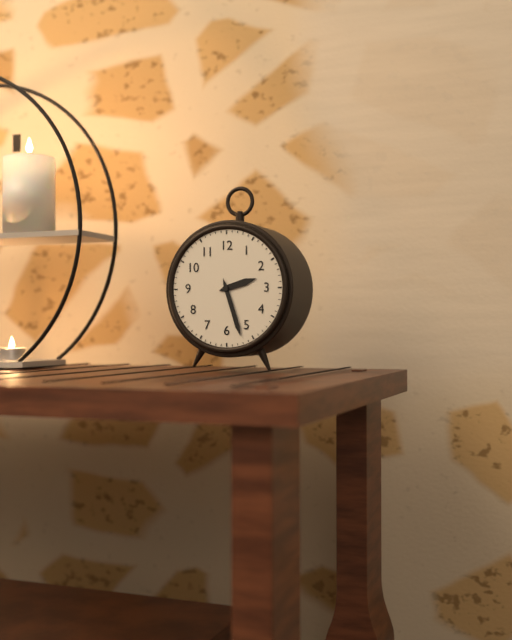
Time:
**2:27**
